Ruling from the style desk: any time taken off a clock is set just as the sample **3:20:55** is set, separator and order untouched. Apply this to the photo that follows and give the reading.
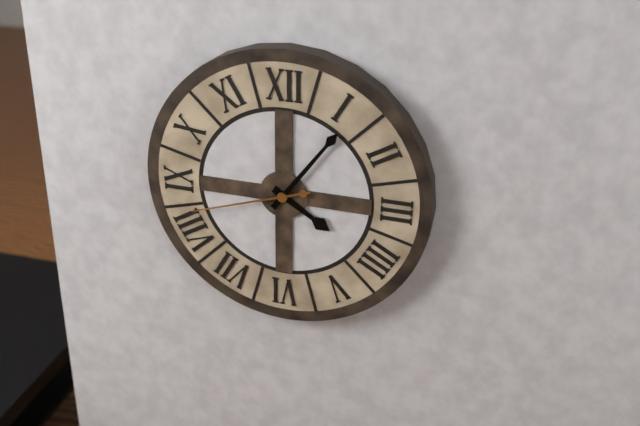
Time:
**4:06:42**
